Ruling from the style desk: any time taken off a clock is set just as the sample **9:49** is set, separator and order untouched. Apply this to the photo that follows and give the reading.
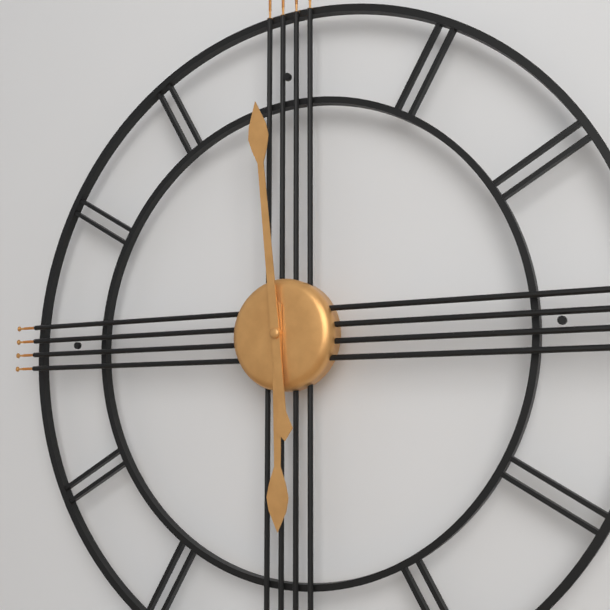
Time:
**5:59**
